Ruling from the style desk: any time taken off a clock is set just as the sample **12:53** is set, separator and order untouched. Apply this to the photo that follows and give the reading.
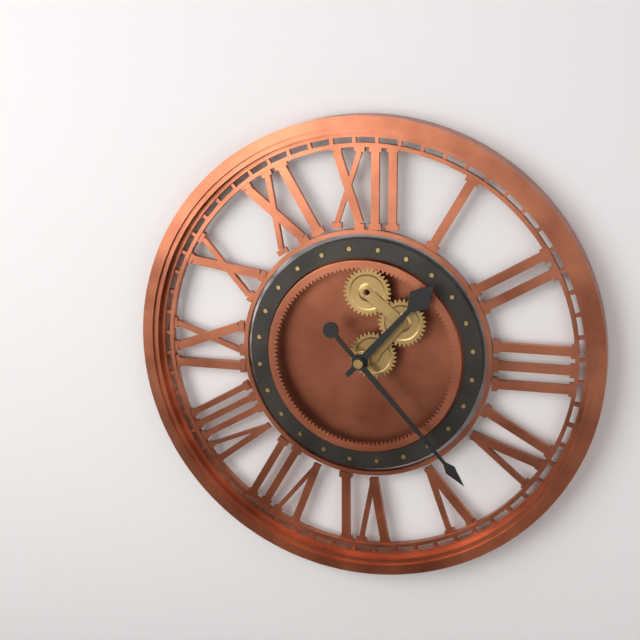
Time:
**1:23**
